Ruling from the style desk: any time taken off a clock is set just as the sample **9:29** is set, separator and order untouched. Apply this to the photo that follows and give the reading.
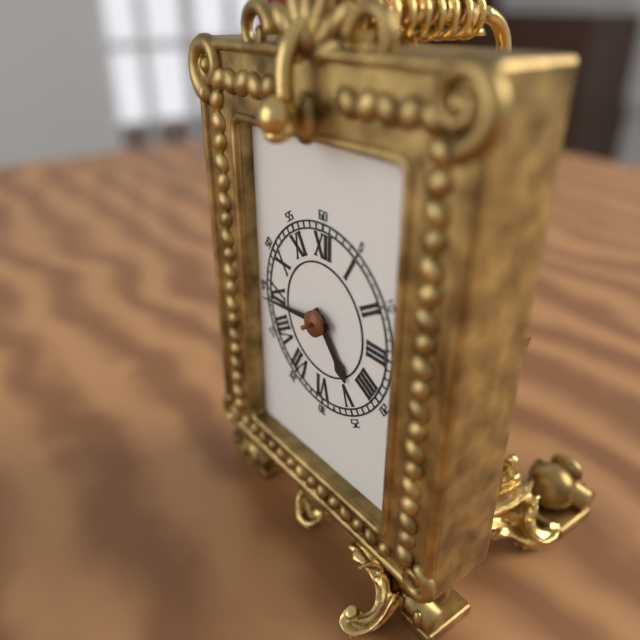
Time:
**4:44**
